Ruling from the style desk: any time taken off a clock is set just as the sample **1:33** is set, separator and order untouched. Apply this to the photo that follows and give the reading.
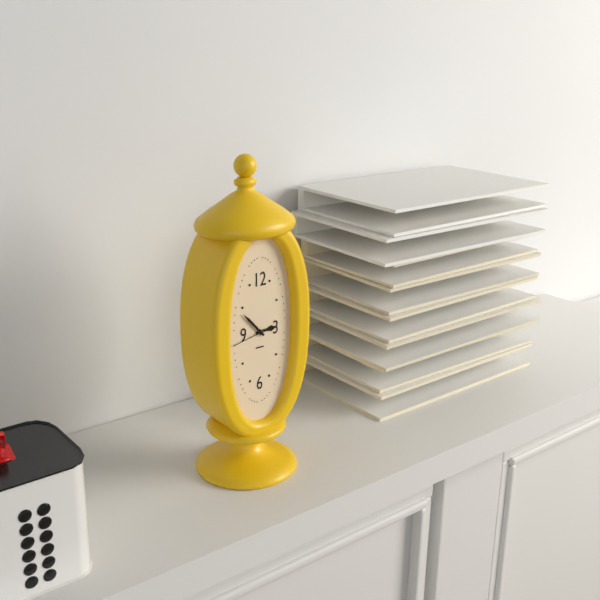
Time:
**2:53**
